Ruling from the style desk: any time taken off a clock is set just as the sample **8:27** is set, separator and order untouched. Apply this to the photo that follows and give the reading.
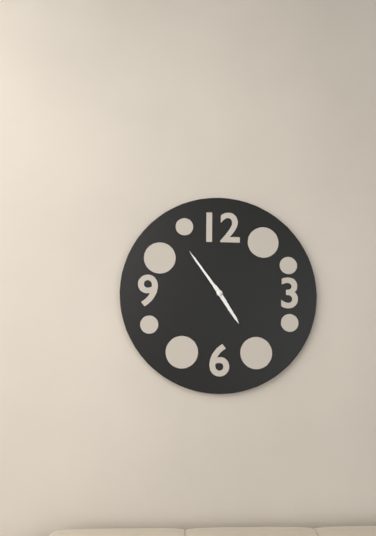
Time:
**4:54**
